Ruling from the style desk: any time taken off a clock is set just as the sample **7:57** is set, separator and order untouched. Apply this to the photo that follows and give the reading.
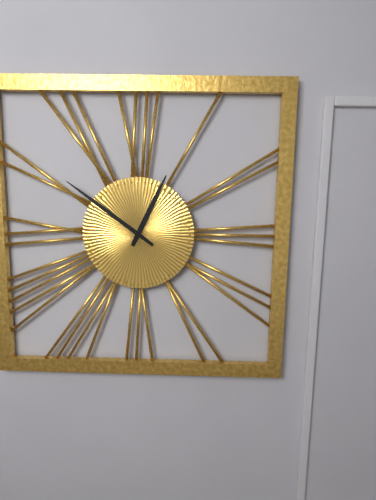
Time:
**12:51**
